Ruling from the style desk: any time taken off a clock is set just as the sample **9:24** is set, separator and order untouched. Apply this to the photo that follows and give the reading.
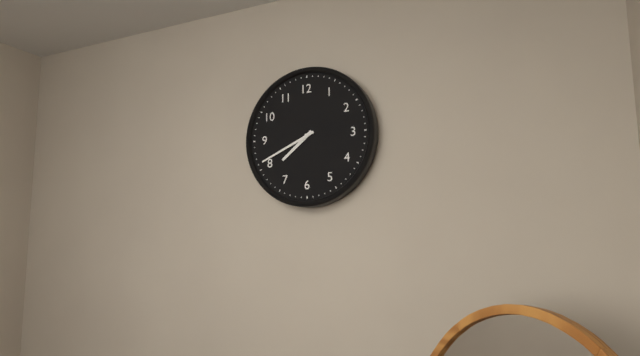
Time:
**7:41**
